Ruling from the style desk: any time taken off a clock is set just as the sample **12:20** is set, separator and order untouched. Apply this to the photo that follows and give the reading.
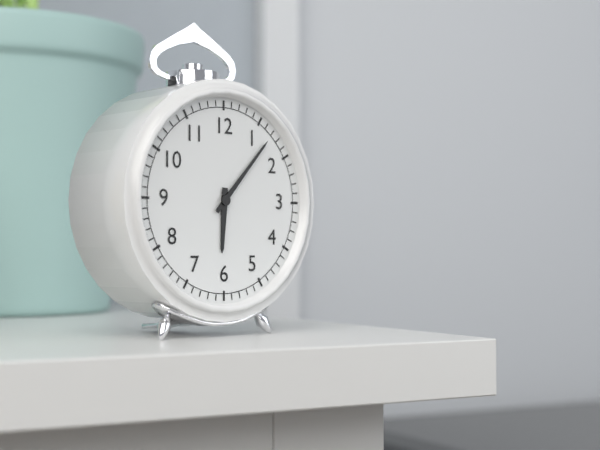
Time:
**6:07**
